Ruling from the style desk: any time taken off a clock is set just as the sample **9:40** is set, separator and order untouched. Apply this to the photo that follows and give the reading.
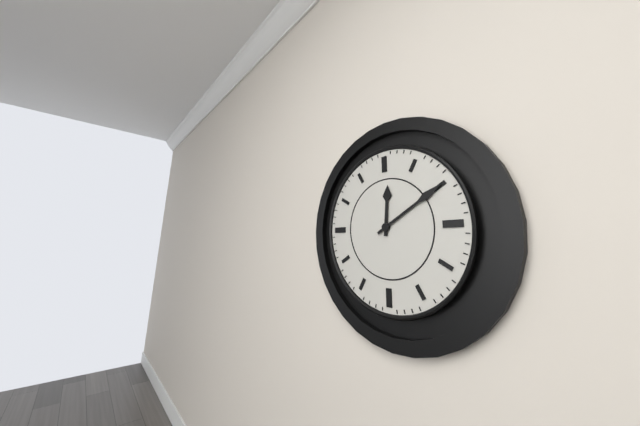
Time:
**12:10**
